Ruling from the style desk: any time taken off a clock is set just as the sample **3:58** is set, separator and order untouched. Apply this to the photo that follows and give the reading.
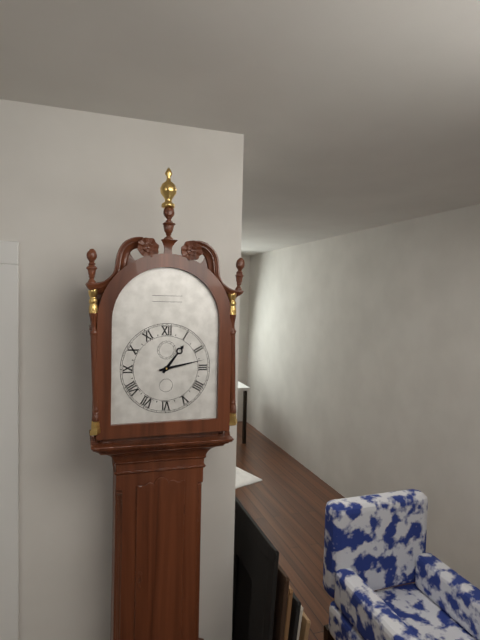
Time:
**1:13**
